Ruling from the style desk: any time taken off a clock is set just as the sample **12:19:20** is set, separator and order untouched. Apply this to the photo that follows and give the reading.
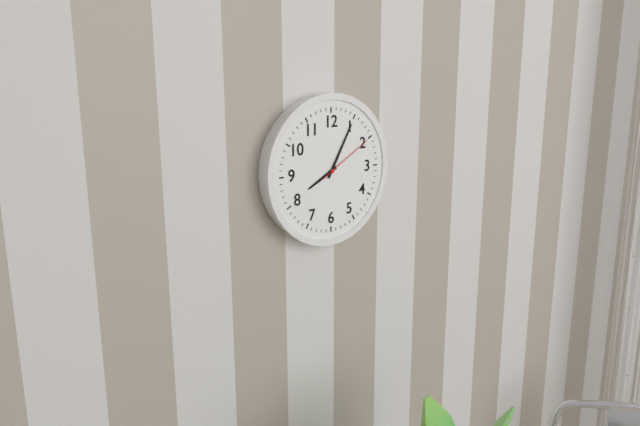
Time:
**8:05:10**
